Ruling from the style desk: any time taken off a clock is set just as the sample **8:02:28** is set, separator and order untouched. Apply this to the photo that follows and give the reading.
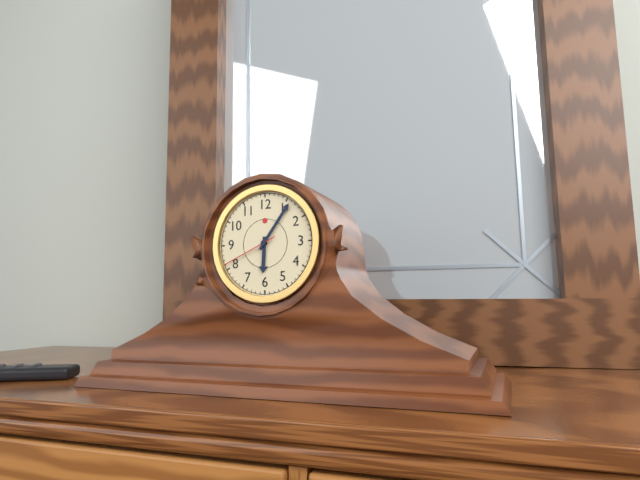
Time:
**6:06:41**
